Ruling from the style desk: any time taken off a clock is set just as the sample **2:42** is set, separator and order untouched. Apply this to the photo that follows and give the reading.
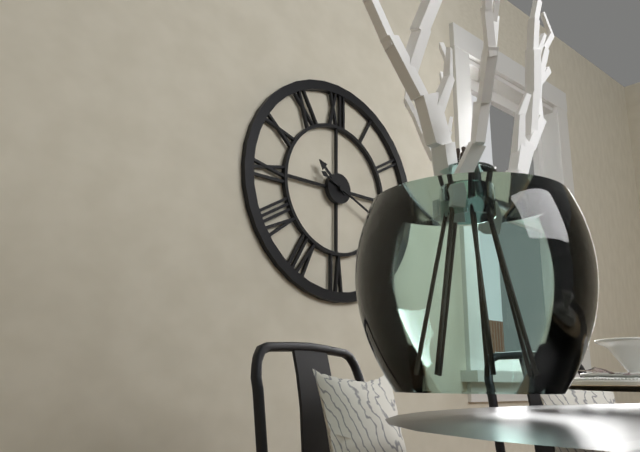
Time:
**10:19**
